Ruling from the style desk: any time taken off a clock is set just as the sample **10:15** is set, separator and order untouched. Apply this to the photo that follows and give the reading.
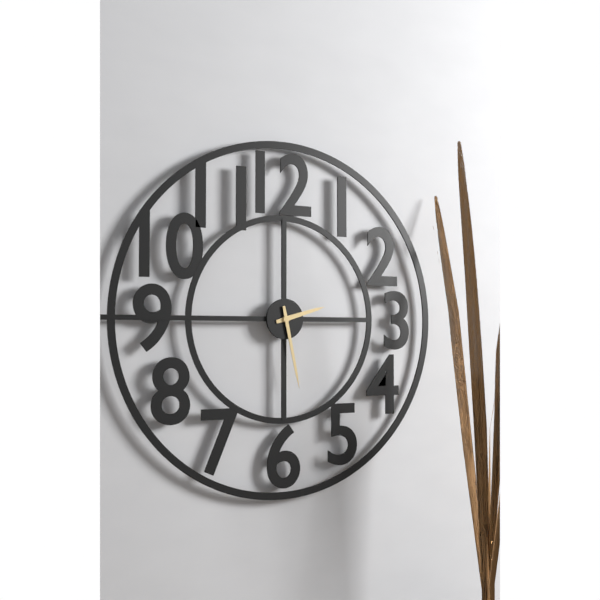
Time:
**2:28**
